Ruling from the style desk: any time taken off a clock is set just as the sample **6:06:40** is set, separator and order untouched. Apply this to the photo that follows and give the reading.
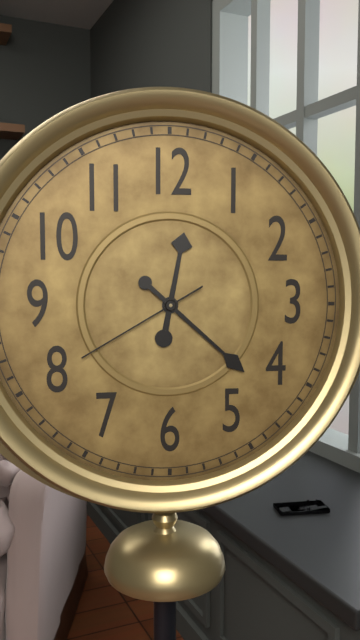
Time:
**12:22:40**
